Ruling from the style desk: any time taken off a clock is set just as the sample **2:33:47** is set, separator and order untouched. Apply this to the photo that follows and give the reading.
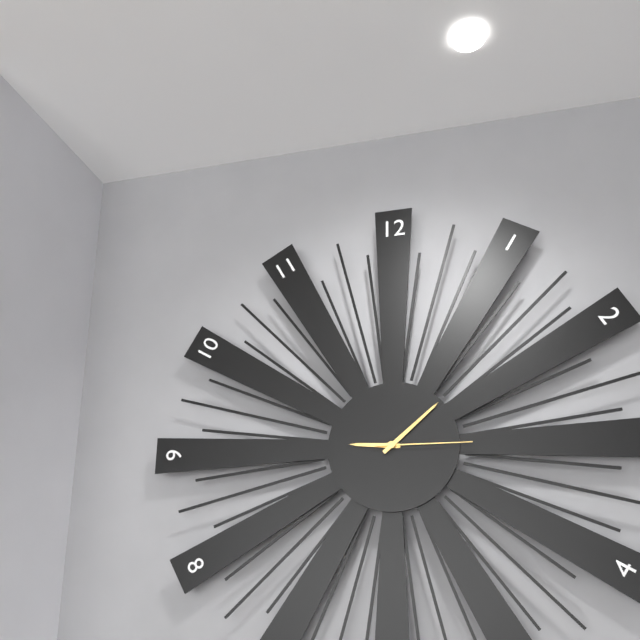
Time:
**9:08:15**
